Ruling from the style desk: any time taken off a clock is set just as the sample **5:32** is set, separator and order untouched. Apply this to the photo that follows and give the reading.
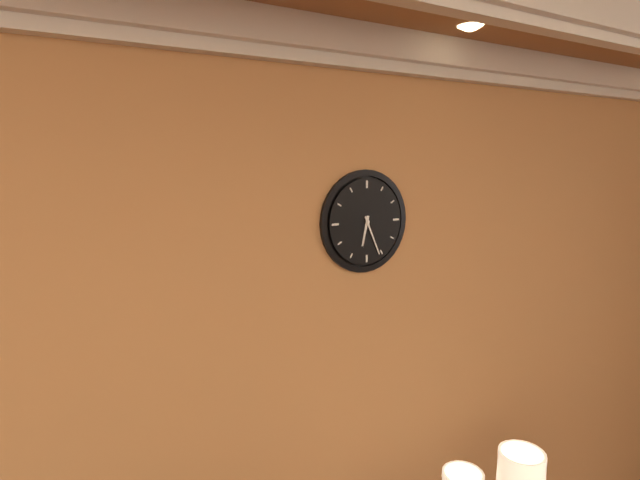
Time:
**6:26**
